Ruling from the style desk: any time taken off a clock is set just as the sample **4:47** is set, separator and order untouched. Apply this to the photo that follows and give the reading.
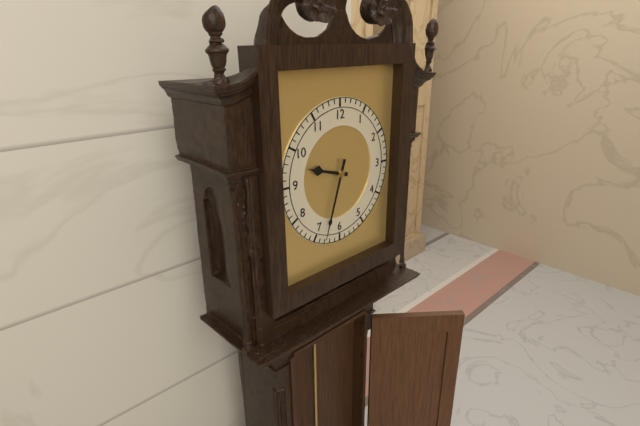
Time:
**9:33**
